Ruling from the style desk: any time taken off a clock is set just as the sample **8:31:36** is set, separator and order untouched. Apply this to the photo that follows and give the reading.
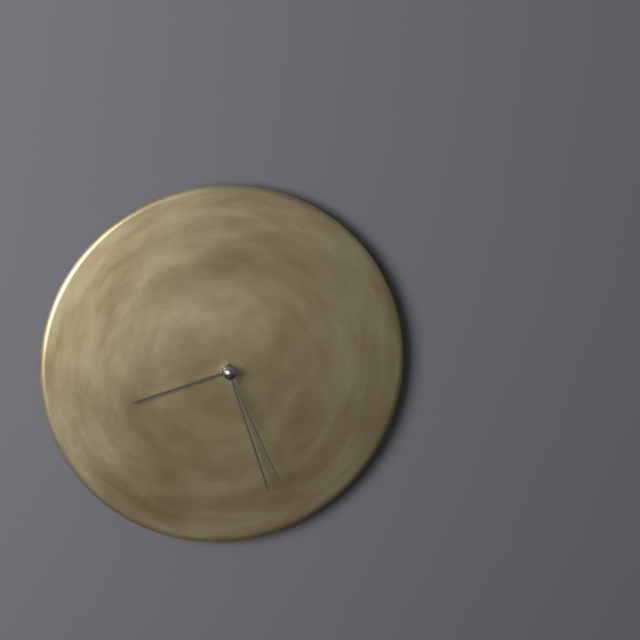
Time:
**8:27:26**
